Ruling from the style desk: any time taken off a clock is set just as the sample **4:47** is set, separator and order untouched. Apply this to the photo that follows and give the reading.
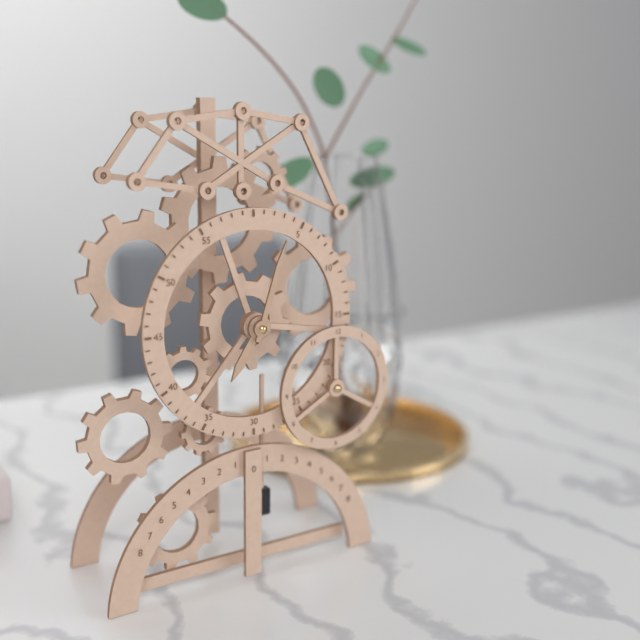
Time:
**7:03**
